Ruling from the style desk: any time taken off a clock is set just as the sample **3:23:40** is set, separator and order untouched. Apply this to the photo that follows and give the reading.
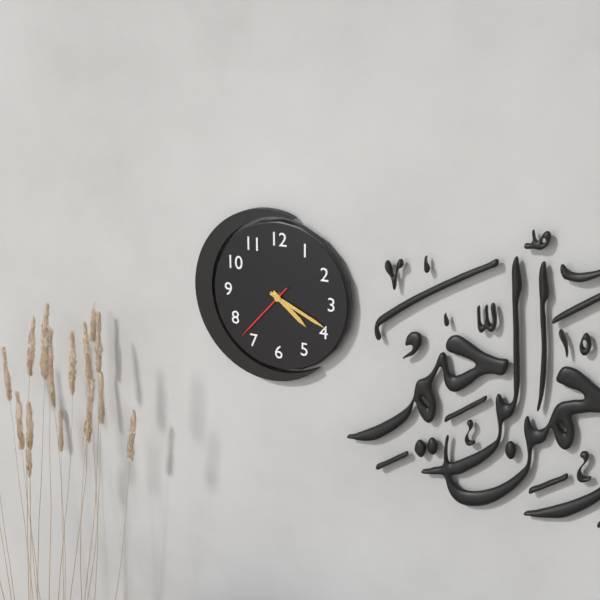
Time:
**4:19:37**
